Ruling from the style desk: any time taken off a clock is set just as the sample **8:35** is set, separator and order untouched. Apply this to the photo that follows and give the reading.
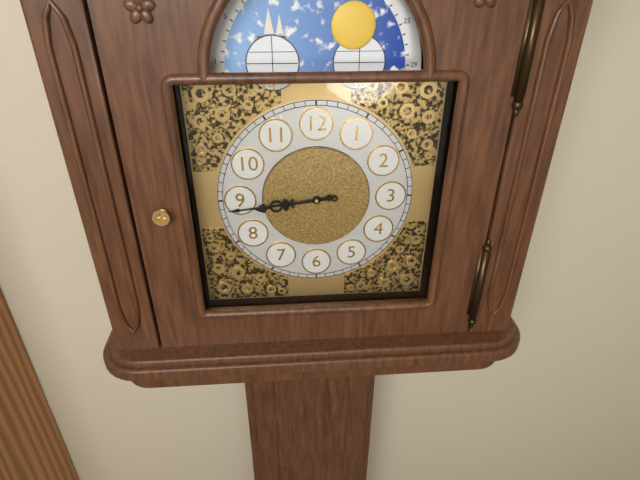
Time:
**8:44**
